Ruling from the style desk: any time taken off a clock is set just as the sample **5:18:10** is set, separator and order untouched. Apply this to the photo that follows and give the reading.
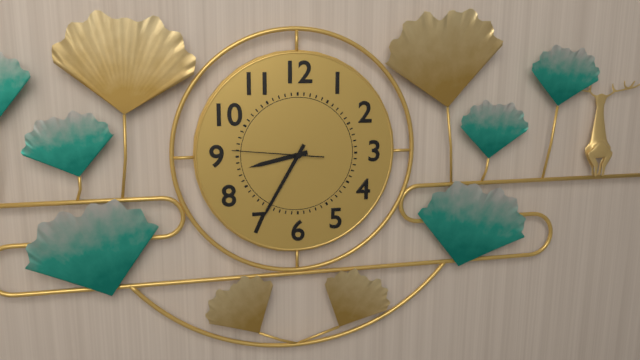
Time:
**8:35:46**
